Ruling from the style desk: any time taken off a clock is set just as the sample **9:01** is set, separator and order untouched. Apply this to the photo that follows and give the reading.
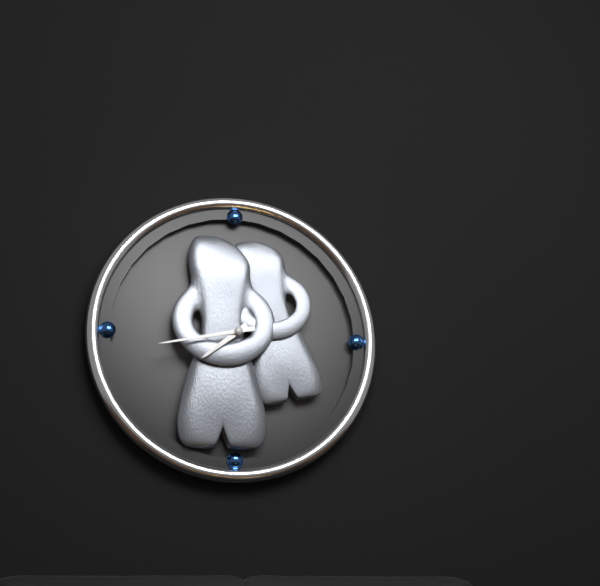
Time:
**7:43**
